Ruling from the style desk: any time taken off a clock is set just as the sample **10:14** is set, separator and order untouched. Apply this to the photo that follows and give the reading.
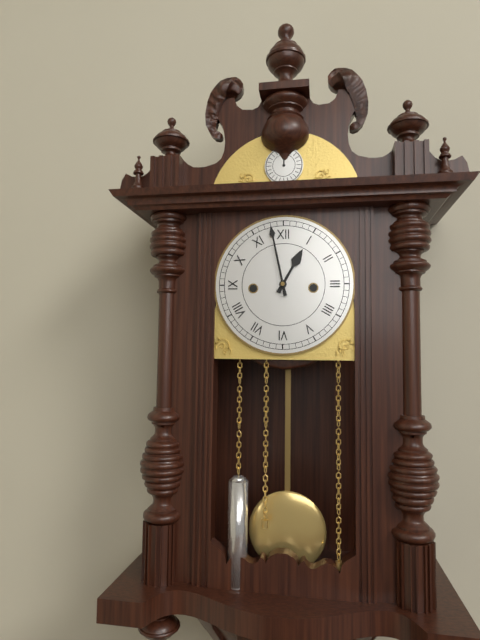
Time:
**12:58**
